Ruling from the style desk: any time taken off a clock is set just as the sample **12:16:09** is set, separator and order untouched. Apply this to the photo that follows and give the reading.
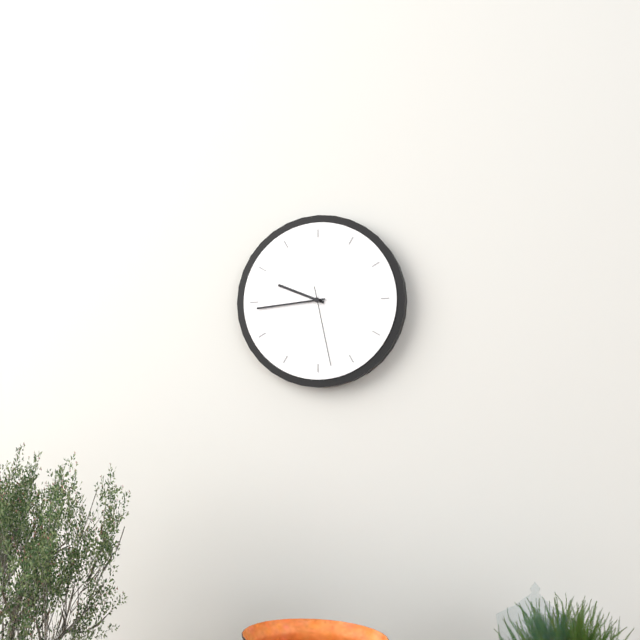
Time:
**9:44:28**
